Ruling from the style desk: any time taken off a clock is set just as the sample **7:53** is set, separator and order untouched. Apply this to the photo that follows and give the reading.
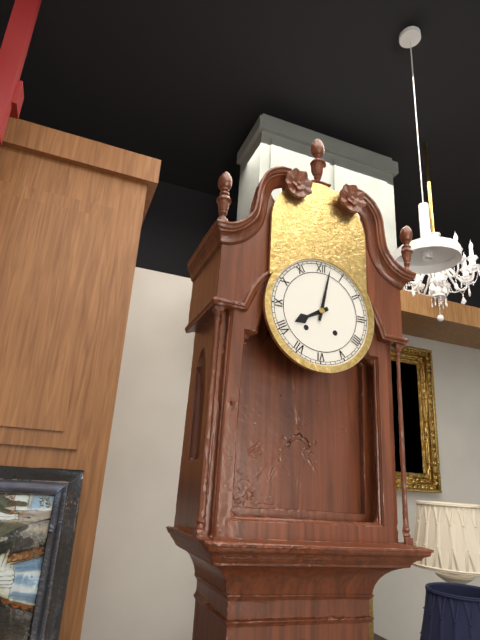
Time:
**8:02**
